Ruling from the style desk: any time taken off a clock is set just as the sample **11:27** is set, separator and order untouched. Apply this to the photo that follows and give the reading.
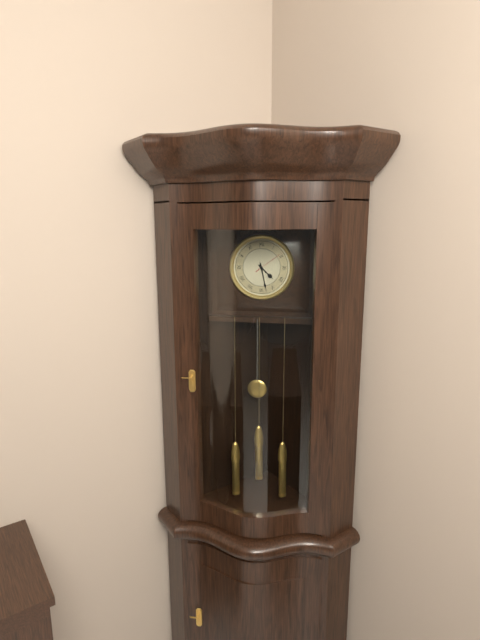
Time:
**4:28**
